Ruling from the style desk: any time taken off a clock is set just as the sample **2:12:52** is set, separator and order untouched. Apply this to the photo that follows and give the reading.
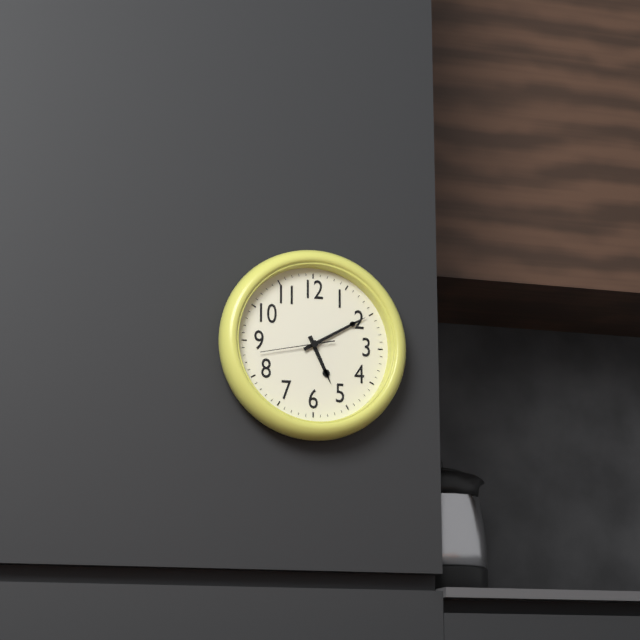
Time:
**5:10:43**
